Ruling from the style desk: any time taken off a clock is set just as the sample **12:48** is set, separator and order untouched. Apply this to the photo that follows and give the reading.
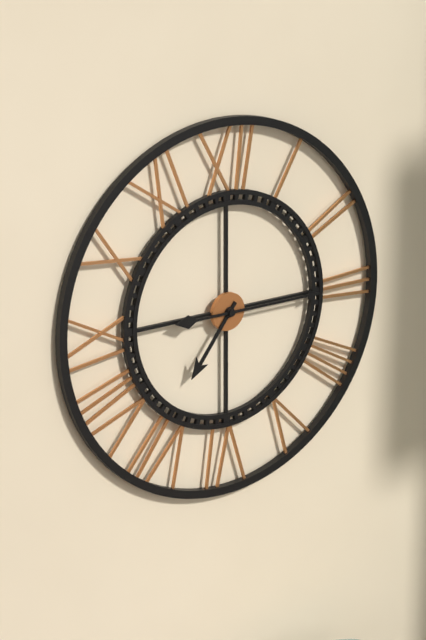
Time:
**7:15**
